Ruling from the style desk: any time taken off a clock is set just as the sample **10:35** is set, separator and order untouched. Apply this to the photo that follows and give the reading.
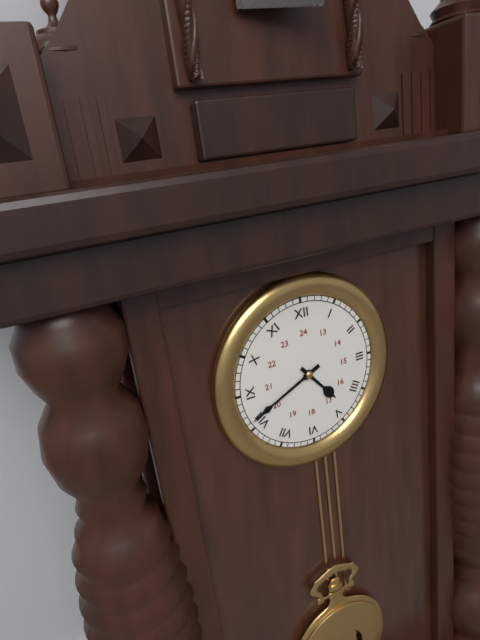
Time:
**4:41**
